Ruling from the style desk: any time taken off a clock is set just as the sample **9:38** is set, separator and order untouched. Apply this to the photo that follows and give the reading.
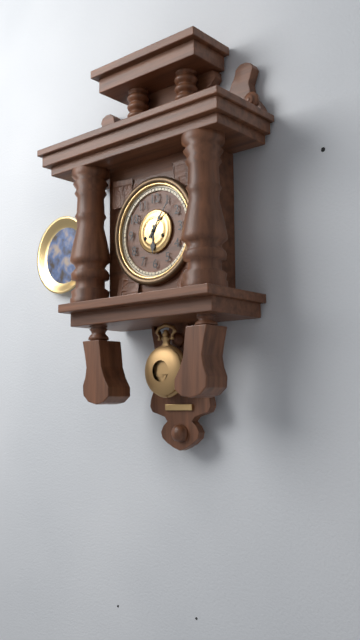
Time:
**6:06**
